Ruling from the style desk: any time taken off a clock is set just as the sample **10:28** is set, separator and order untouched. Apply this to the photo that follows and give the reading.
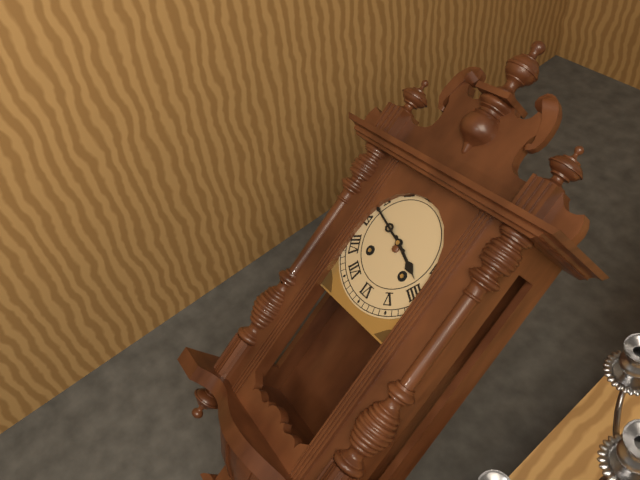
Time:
**3:48**
